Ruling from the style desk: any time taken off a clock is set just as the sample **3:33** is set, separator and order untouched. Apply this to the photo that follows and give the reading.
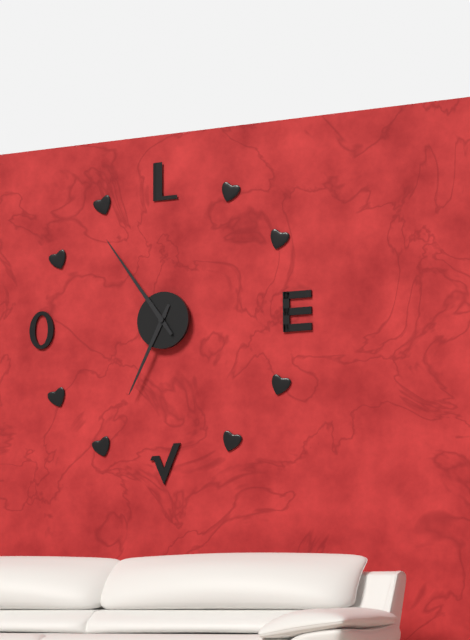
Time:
**6:54**
